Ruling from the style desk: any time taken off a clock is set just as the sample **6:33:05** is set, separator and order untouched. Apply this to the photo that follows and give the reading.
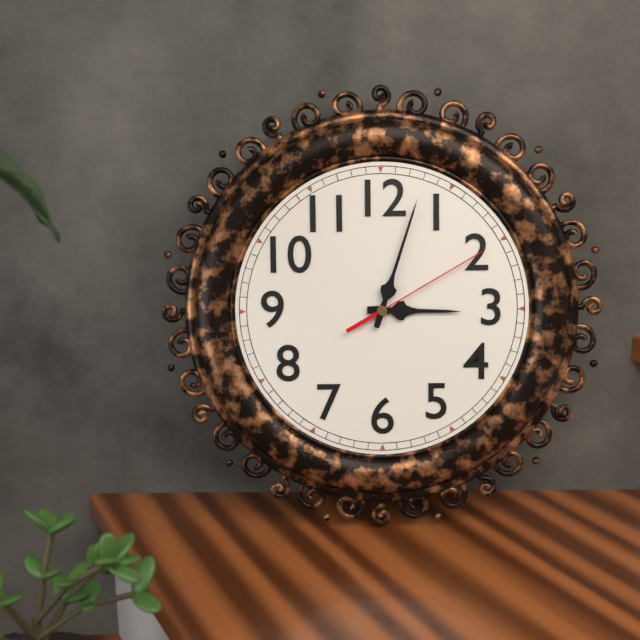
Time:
**3:03:10**
